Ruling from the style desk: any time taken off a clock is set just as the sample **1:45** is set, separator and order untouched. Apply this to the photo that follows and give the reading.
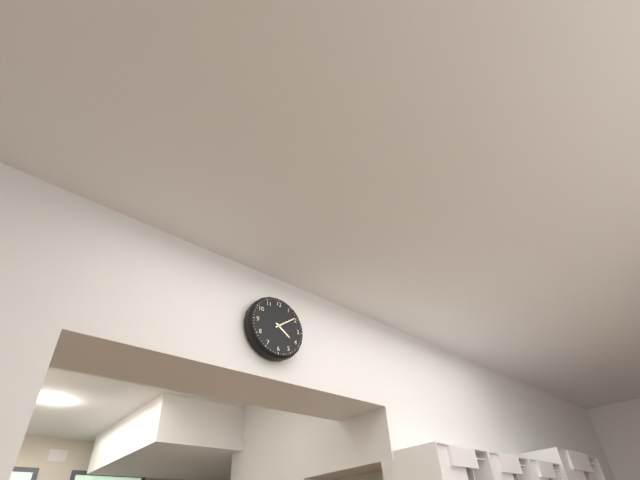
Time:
**4:09**
